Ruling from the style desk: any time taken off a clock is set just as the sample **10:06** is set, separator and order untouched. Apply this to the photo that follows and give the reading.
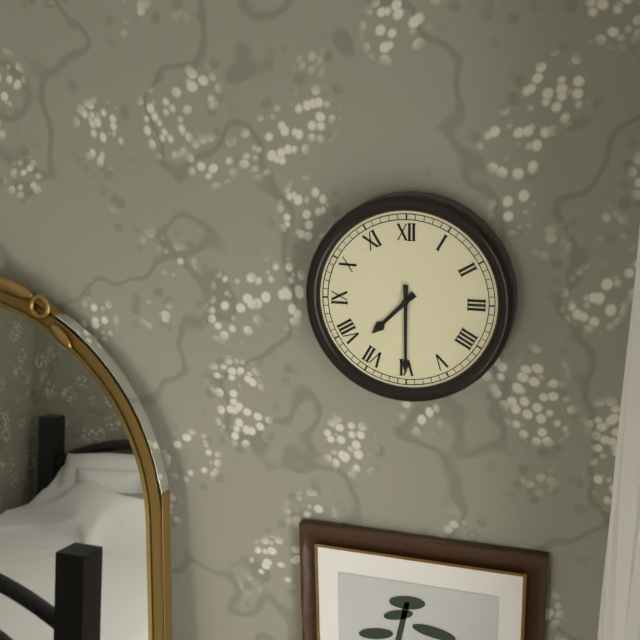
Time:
**7:30**
